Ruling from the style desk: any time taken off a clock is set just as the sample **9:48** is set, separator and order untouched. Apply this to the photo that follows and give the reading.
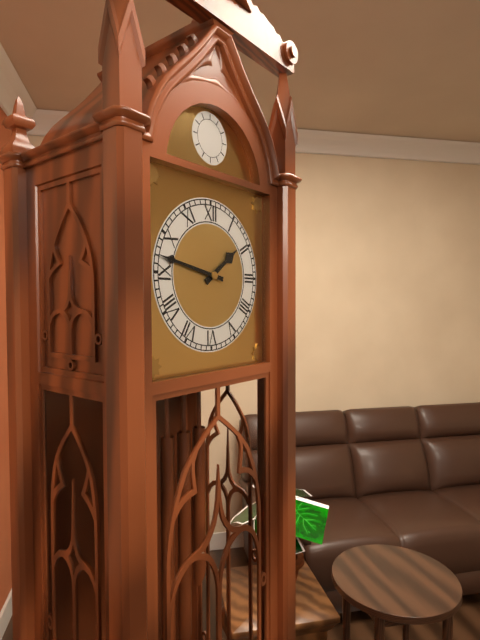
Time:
**1:47**
